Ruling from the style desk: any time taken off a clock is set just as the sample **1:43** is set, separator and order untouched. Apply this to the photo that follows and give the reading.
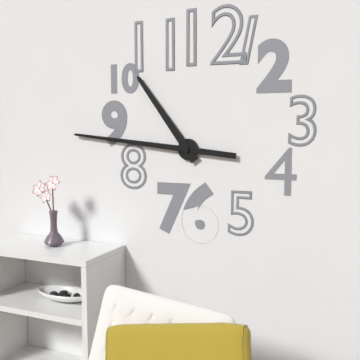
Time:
**10:46**
